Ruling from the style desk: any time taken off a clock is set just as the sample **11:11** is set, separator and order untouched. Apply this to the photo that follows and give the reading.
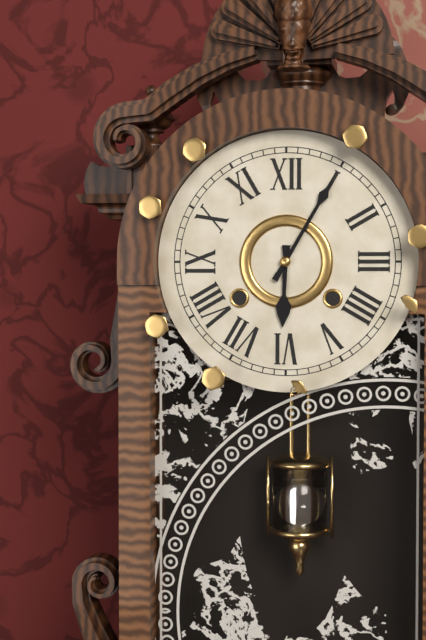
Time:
**6:05**
